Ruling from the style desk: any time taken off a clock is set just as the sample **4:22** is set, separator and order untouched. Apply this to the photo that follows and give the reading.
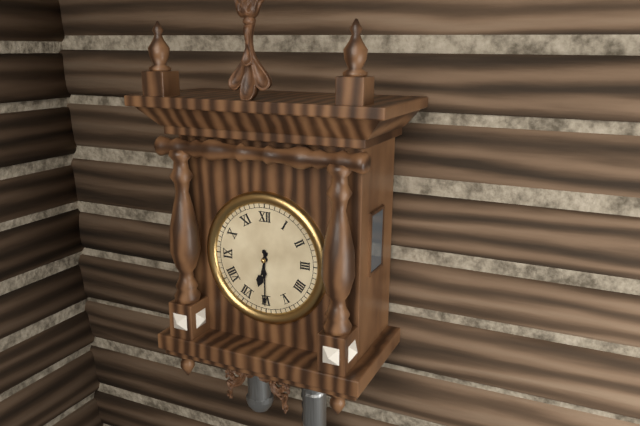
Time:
**6:30**
